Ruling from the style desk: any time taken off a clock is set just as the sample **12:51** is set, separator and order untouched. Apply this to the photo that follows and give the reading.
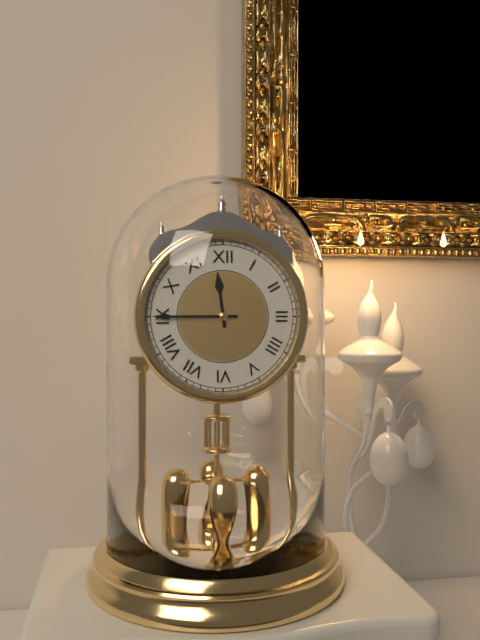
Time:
**11:45**
